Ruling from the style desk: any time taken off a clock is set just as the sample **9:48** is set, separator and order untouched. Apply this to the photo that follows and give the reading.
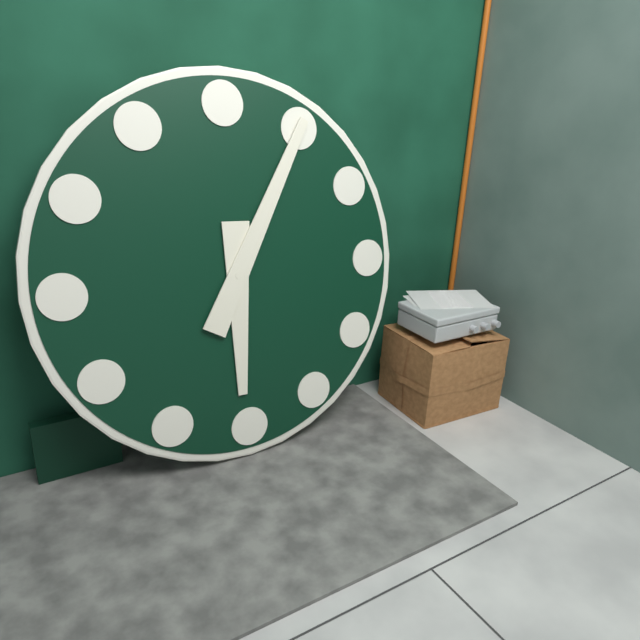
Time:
**6:05**
